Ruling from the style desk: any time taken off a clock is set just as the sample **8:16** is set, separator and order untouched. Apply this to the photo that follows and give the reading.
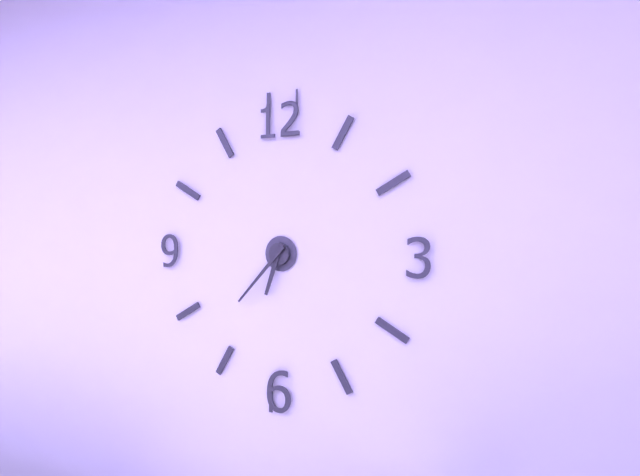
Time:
**6:37**
